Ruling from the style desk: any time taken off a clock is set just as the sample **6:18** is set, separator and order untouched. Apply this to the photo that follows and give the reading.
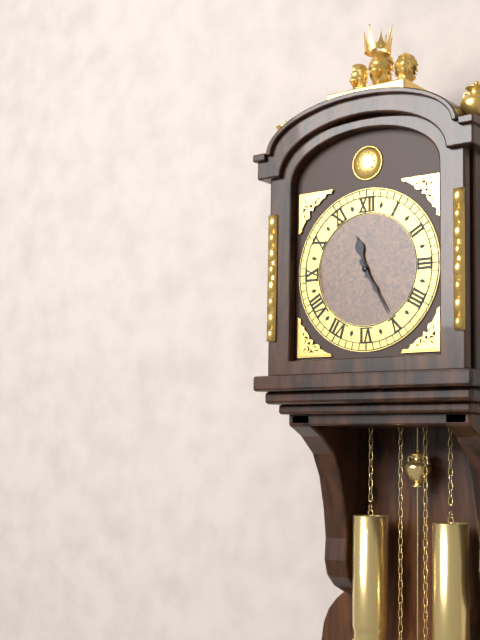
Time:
**11:25**
